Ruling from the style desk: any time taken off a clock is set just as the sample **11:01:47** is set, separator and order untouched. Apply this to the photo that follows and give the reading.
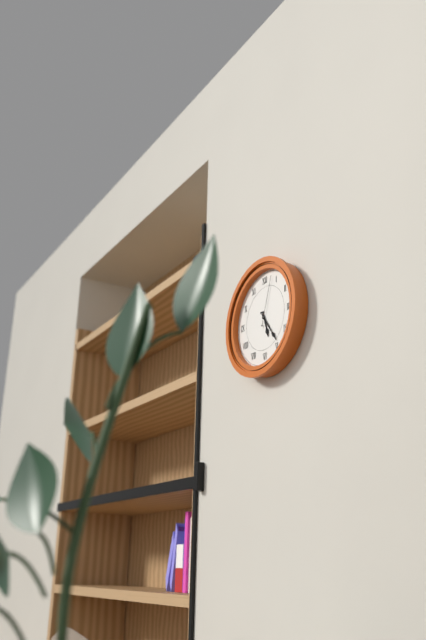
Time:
**5:24:03**
